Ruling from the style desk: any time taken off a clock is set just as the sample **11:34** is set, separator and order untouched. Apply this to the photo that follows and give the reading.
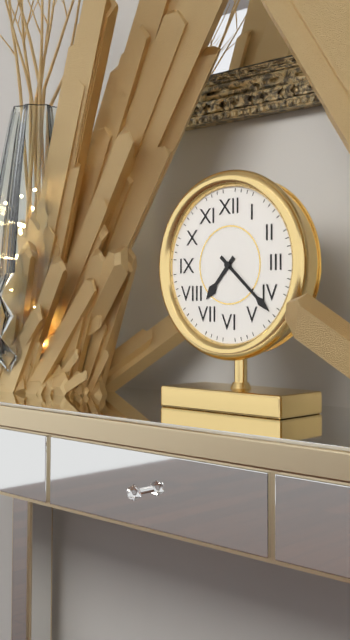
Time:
**7:22**
